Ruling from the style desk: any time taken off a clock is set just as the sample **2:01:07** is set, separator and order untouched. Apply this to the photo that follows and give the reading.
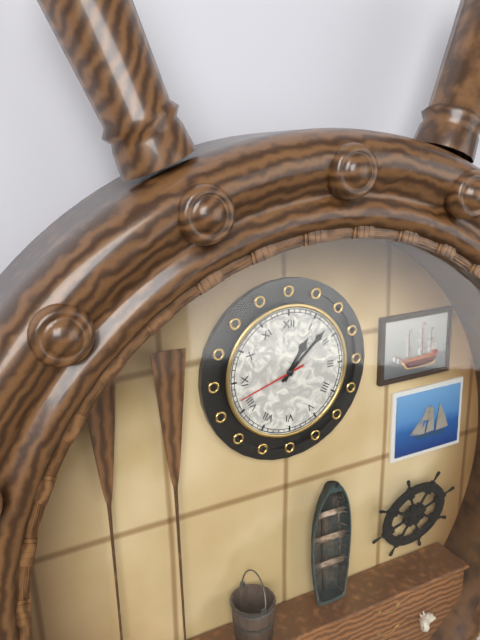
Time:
**1:08:42**
